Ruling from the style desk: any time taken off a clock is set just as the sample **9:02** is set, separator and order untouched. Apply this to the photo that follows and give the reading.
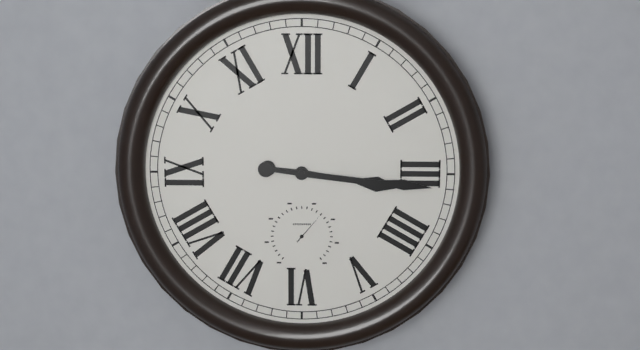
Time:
**3:16**
